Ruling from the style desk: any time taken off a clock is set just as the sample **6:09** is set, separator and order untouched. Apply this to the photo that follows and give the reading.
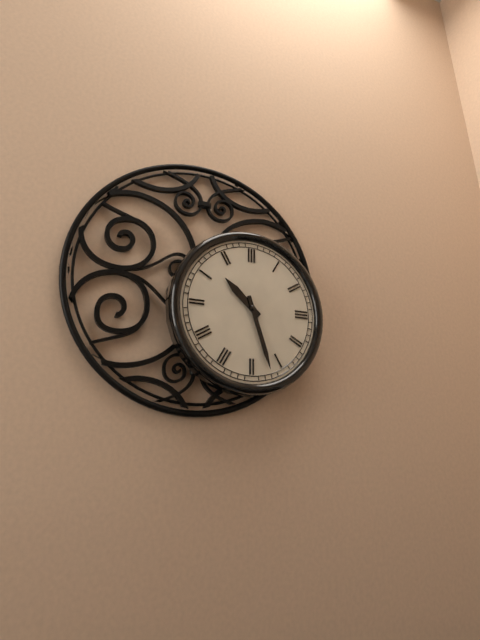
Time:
**10:27**
